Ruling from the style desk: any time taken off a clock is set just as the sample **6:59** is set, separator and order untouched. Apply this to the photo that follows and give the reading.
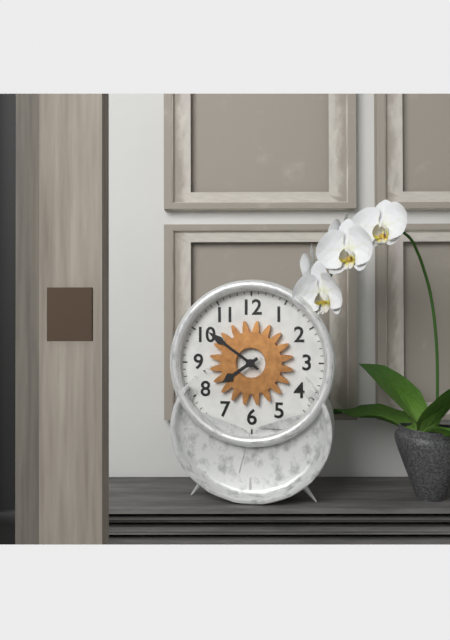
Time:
**7:51**
